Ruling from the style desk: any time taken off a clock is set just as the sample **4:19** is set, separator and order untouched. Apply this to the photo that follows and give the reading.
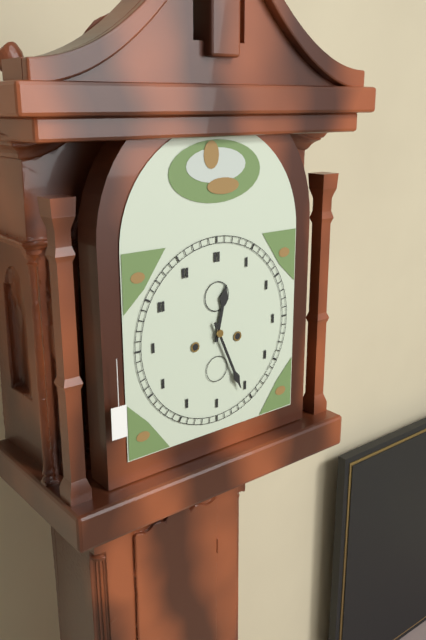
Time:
**12:26**
